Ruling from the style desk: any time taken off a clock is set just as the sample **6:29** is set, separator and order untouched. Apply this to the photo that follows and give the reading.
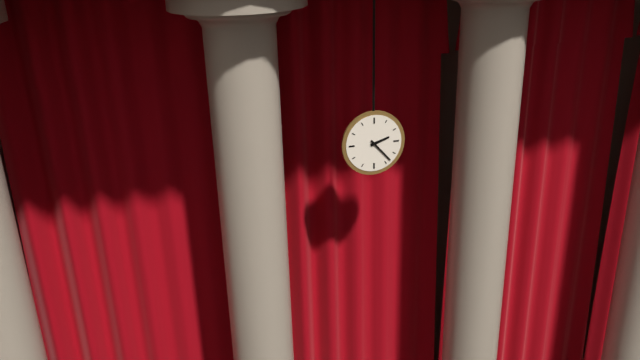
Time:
**2:23**
